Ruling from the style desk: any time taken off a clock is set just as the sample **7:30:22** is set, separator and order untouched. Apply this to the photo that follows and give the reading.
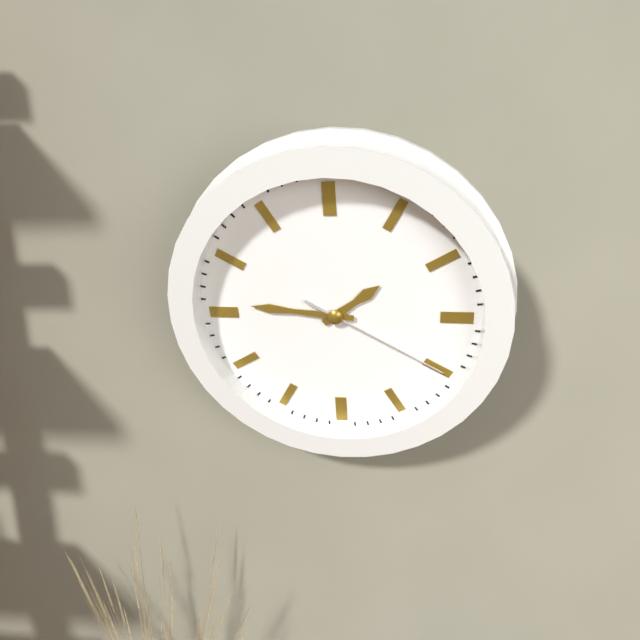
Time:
**1:46:20**
